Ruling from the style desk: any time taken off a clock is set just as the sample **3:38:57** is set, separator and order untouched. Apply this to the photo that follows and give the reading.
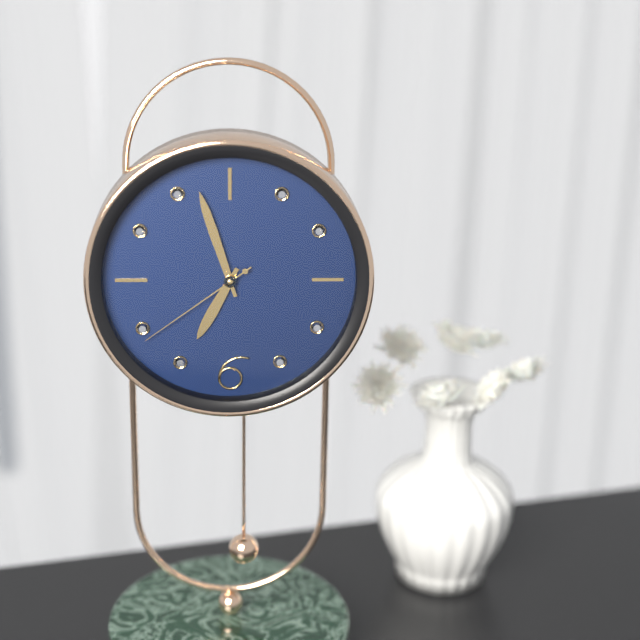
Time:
**6:57:39**
